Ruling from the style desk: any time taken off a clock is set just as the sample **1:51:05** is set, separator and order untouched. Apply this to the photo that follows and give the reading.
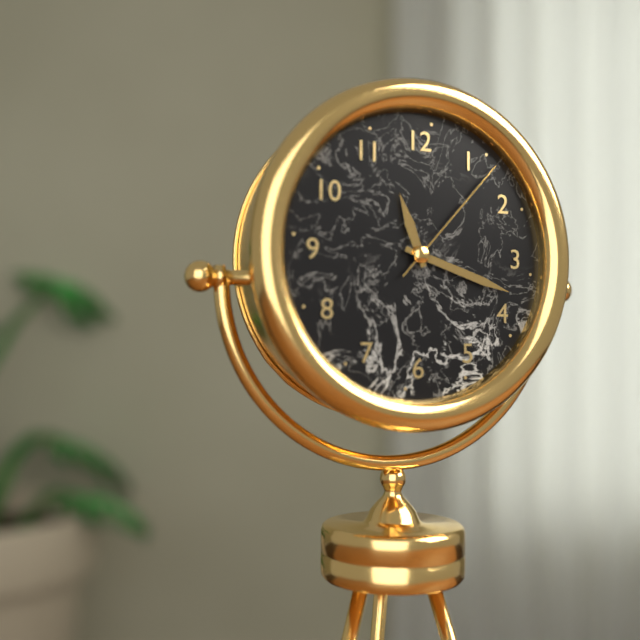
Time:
**11:18:07**
